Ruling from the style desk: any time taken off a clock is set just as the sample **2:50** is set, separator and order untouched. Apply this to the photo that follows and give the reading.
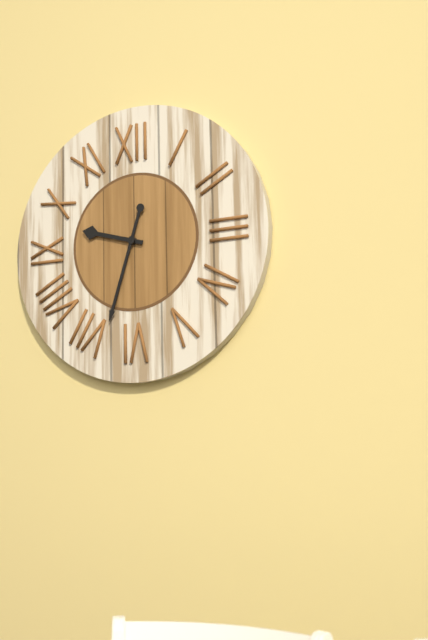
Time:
**9:33**
